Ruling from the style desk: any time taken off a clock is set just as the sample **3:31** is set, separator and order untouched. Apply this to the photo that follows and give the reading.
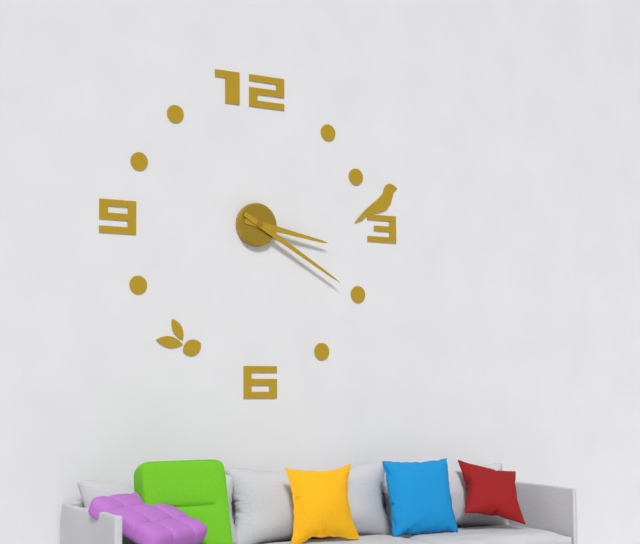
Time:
**3:20**
